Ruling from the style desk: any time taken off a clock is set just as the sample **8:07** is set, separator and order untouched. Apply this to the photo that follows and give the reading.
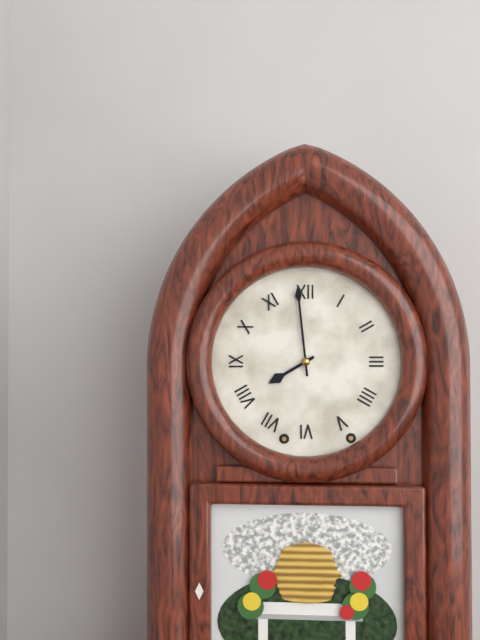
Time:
**7:59**
